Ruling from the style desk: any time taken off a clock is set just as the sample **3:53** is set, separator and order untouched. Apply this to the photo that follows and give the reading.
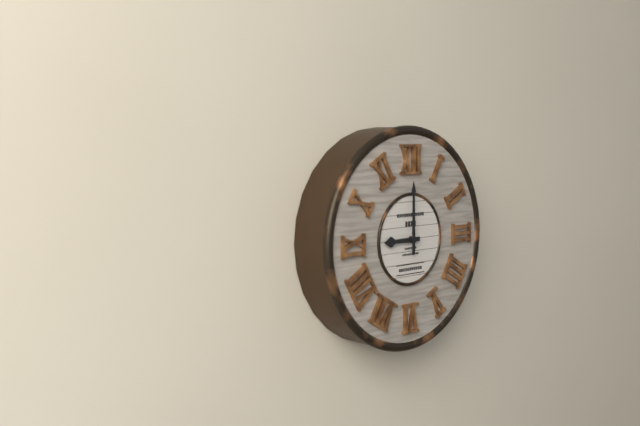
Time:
**9:00**
